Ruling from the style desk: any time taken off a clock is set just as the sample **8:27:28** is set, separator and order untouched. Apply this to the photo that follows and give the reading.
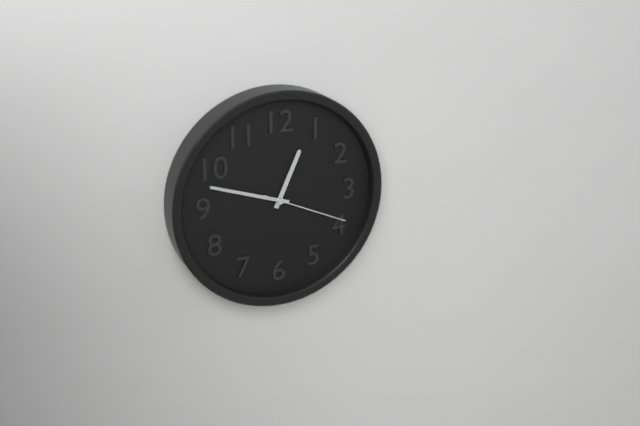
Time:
**12:48:19**
